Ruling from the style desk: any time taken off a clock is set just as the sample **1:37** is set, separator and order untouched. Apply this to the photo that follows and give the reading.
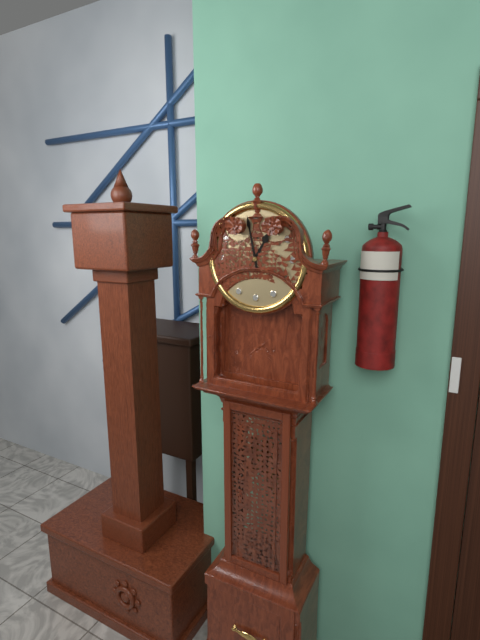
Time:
**12:58**
